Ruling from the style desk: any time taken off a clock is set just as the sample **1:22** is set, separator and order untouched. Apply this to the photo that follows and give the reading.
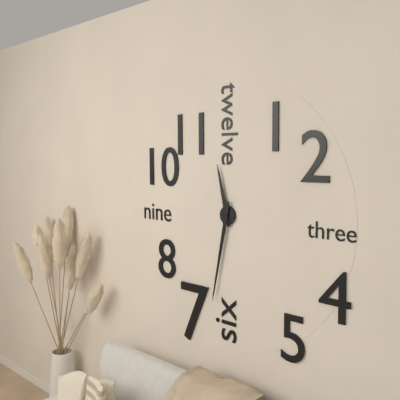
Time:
**11:32**
